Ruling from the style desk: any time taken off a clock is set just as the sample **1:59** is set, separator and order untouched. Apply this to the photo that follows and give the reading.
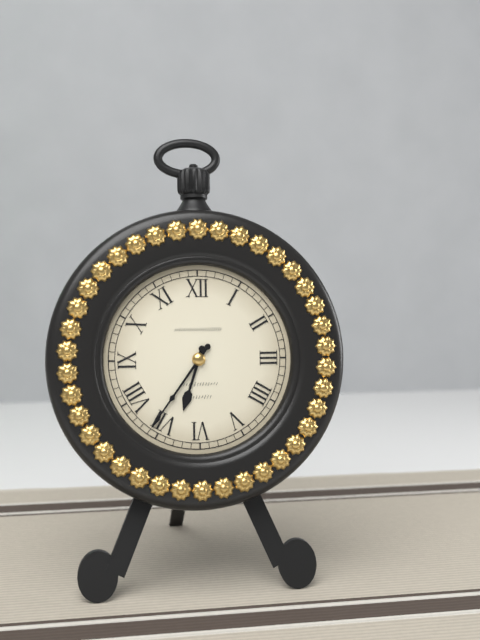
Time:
**6:36**
